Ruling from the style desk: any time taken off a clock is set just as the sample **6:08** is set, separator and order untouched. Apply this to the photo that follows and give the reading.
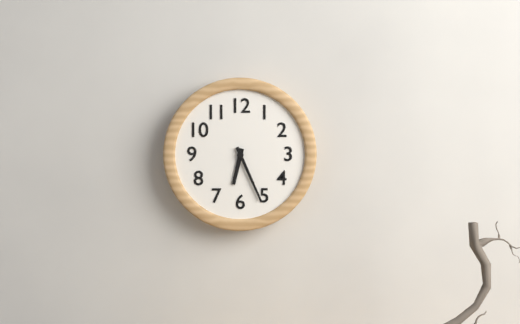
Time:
**6:26**
